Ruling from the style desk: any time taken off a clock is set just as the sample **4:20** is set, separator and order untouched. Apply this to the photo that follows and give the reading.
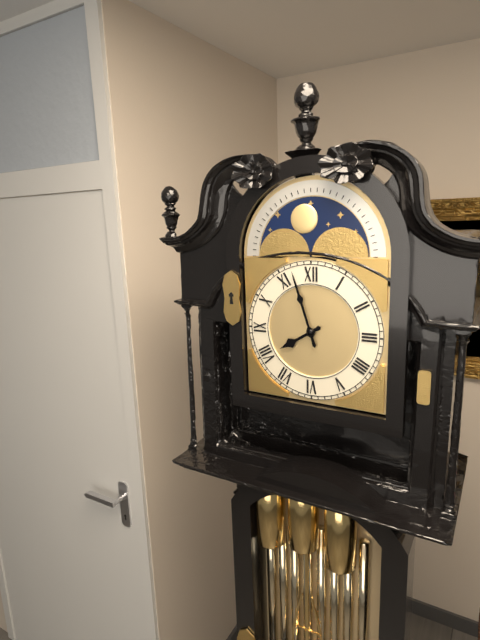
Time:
**7:57**
